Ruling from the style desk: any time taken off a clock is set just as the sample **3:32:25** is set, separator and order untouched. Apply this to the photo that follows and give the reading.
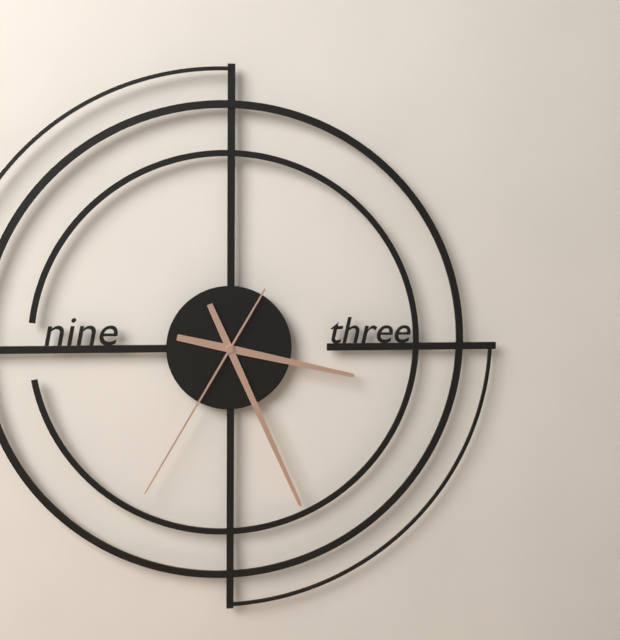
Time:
**3:26:35**
